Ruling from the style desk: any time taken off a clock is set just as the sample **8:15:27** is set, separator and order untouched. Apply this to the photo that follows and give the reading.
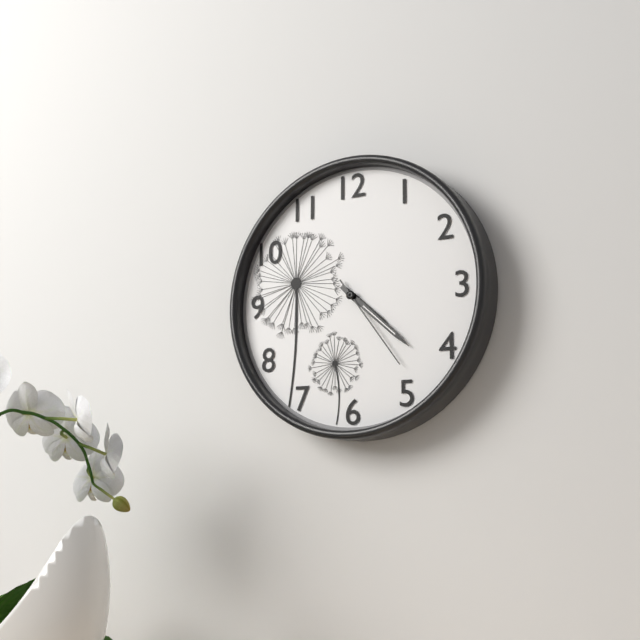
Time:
**4:22:24**
